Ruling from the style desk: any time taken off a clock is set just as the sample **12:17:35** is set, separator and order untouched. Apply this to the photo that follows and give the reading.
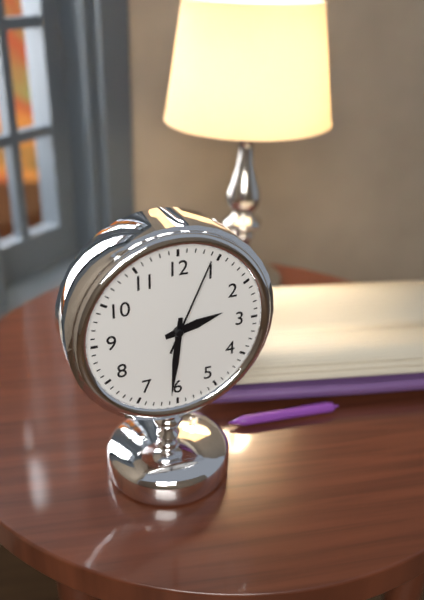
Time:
**2:31:04**
